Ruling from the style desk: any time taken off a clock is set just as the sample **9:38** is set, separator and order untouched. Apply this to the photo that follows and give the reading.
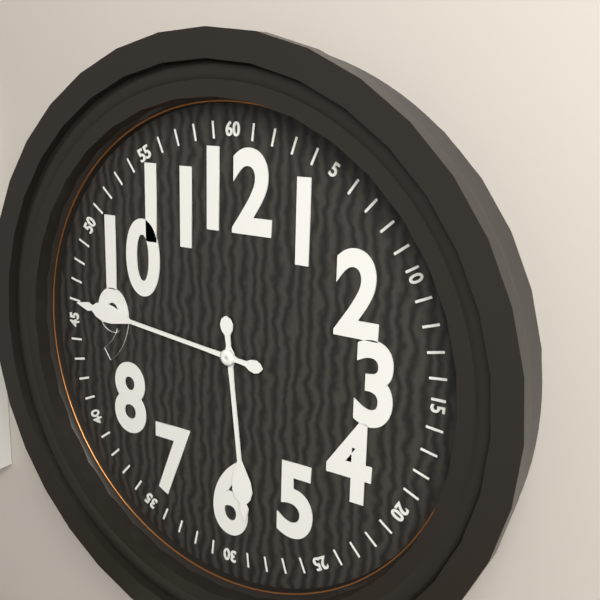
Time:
**5:46**
